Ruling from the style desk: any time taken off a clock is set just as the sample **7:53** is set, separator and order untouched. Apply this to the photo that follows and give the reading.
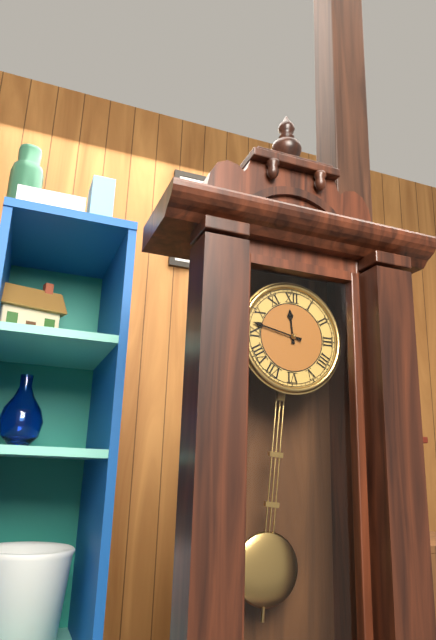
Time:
**11:47**
